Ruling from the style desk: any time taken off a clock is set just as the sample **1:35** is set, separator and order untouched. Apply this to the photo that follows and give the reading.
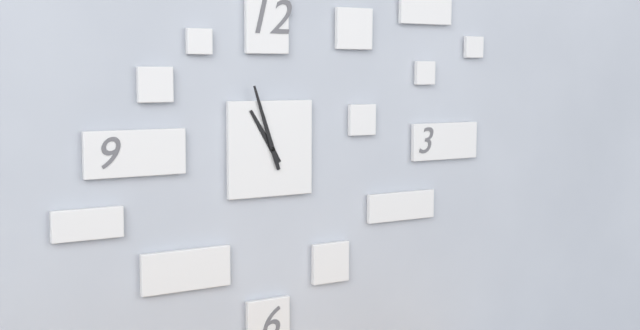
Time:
**10:57**
